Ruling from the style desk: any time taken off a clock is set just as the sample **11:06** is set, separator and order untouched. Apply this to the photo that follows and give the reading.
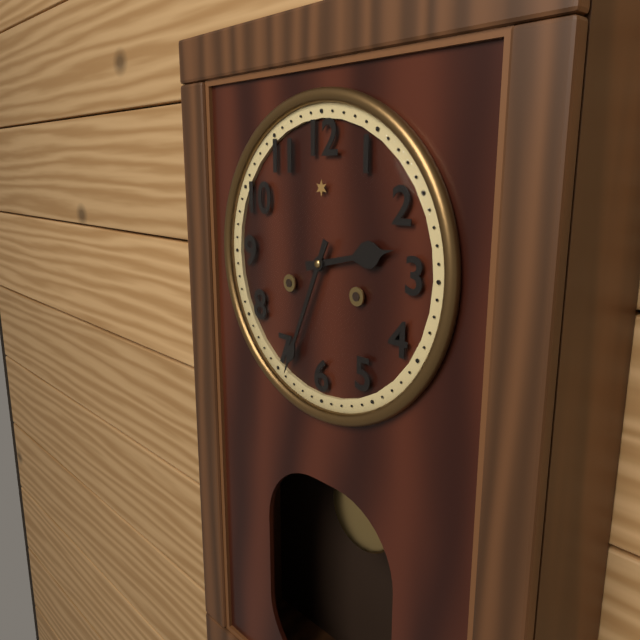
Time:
**2:34**
